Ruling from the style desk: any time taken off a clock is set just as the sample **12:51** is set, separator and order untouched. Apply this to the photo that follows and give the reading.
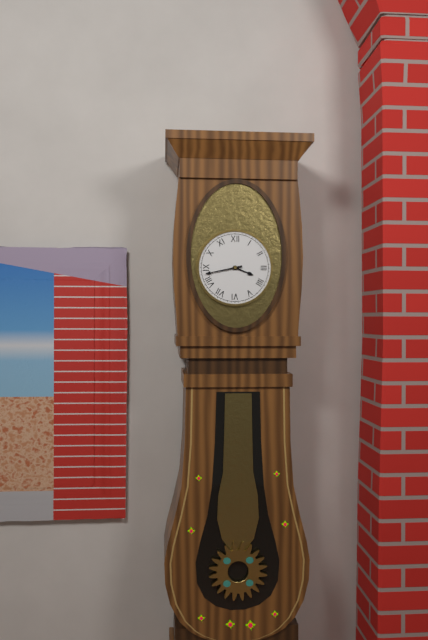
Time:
**3:43**
